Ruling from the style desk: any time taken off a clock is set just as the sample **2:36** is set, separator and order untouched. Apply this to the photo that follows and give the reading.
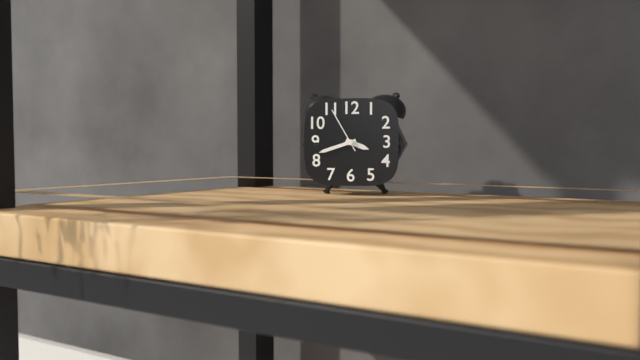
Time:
**3:42**
